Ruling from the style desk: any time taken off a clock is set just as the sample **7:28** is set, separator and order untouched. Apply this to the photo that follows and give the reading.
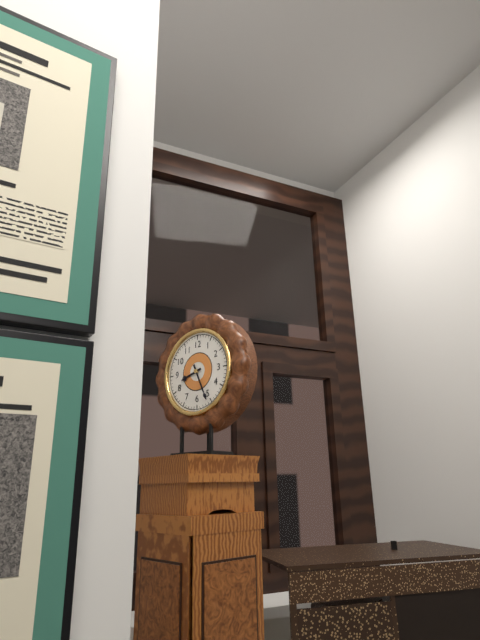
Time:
**8:26**
